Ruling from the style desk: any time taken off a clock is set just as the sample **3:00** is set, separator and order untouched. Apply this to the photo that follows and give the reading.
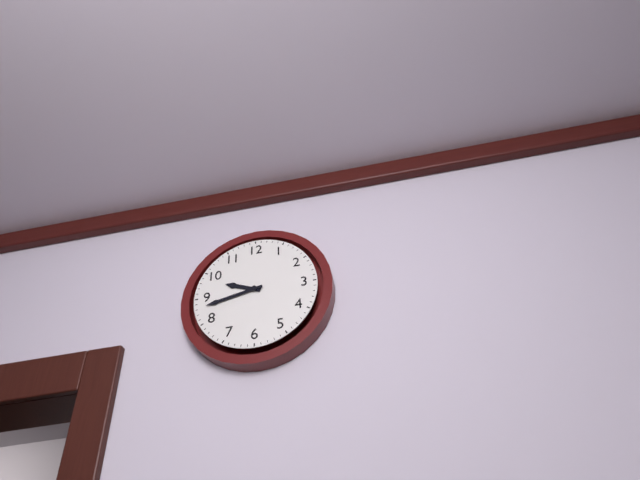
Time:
**9:43**
